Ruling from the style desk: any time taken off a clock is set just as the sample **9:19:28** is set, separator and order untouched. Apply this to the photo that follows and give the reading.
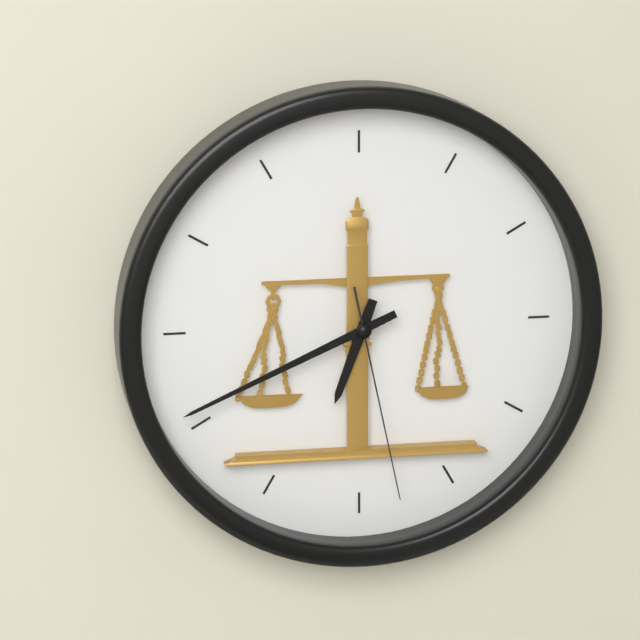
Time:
**6:41:28**
